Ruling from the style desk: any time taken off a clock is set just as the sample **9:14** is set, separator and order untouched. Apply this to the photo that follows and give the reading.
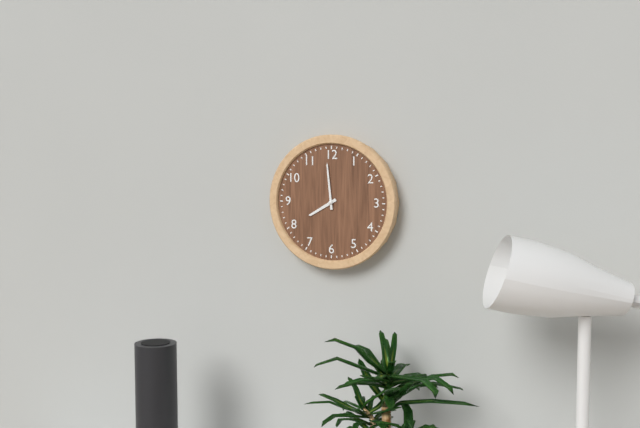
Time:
**7:59**
